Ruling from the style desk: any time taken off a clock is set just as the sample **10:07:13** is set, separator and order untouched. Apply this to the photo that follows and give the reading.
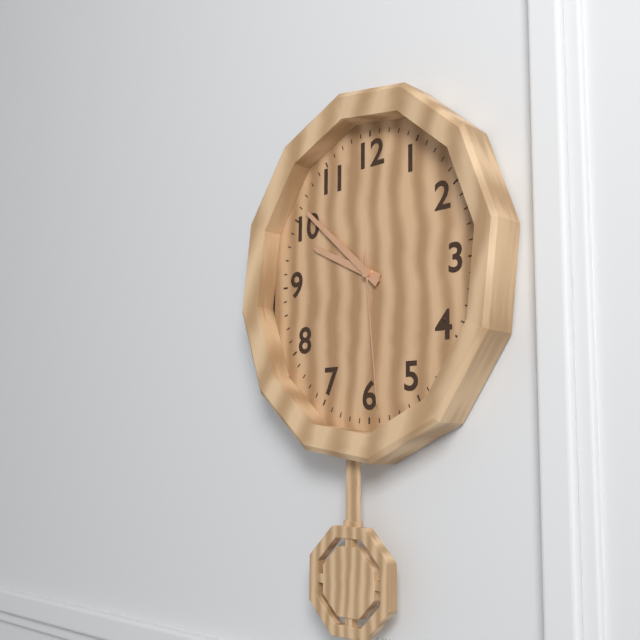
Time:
**9:52:29**
